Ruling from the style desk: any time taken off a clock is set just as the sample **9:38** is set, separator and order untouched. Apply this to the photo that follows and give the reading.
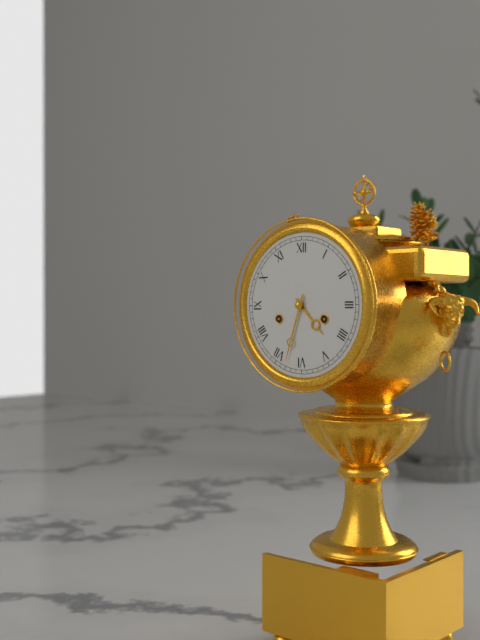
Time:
**4:33**
